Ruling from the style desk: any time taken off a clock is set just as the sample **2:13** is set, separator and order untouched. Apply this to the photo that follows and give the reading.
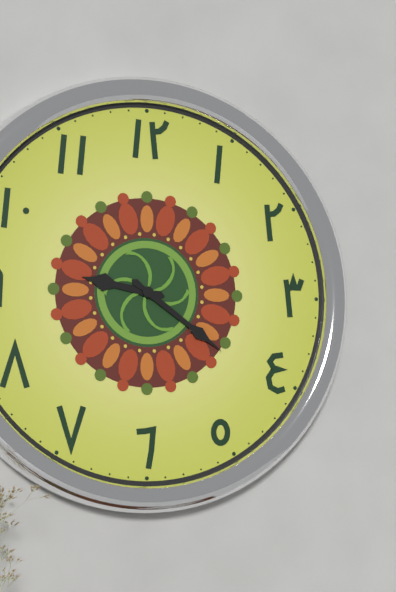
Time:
**9:21**
